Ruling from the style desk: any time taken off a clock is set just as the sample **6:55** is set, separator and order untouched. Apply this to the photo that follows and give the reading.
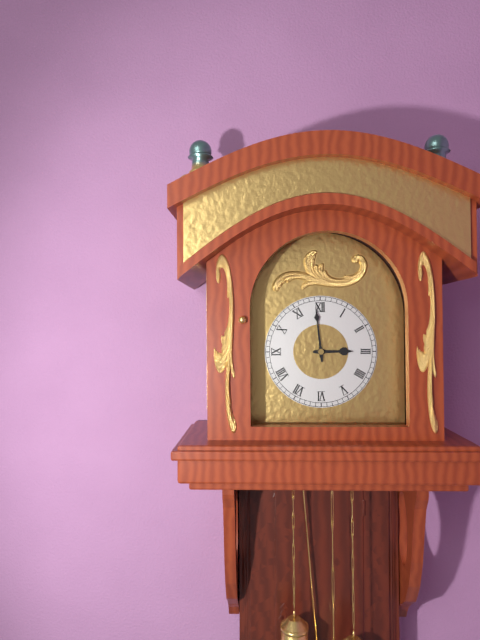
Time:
**2:59**
